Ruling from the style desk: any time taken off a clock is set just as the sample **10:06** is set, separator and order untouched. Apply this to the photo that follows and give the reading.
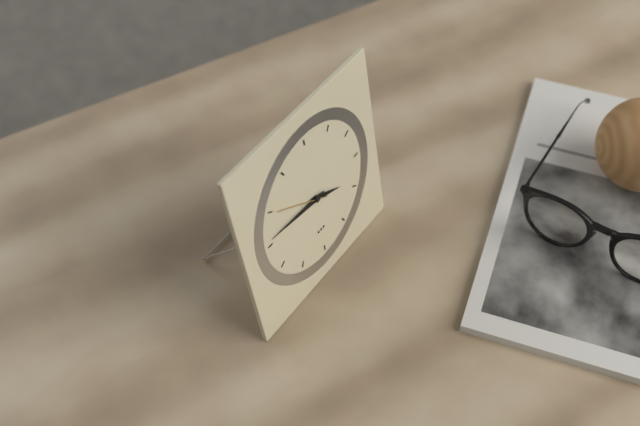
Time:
**3:46**
